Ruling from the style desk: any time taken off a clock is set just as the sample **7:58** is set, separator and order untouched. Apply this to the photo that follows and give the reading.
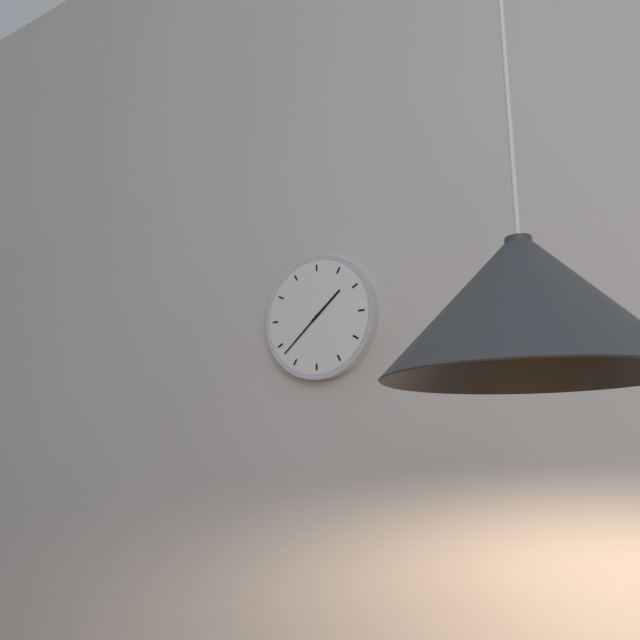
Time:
**1:38**
